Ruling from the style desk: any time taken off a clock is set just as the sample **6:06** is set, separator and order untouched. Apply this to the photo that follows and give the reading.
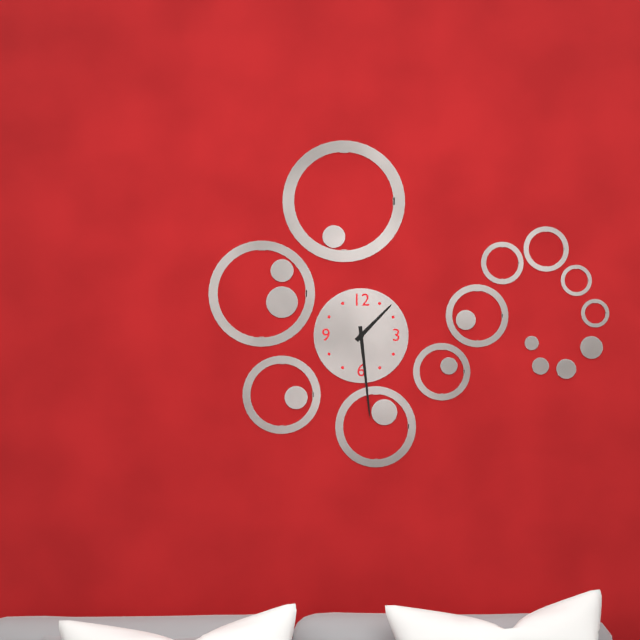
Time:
**1:29**
